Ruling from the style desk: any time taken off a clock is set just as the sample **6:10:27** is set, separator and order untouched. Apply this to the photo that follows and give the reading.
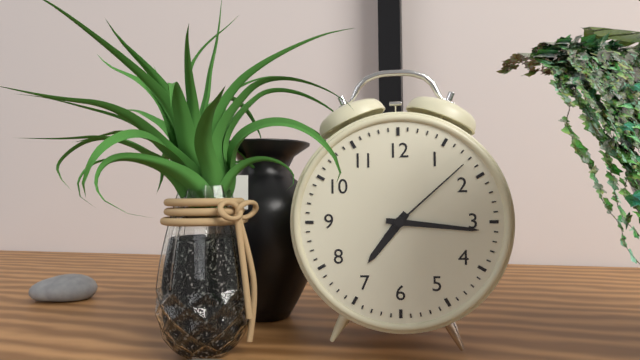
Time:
**7:16:08**
